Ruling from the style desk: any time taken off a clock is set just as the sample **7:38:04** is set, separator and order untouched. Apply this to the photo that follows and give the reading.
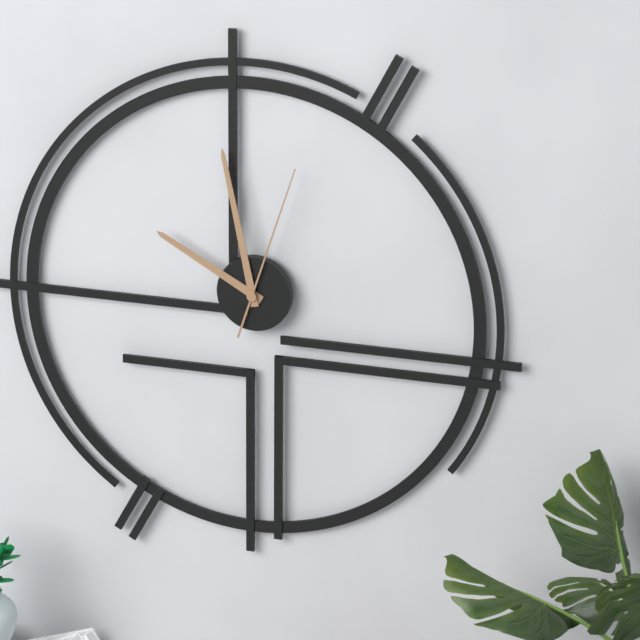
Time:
**9:58:03**
